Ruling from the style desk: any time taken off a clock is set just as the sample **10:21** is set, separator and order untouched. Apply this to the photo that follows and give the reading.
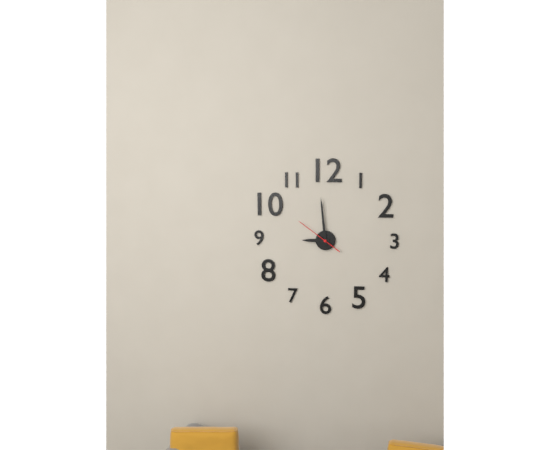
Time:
**8:59**
